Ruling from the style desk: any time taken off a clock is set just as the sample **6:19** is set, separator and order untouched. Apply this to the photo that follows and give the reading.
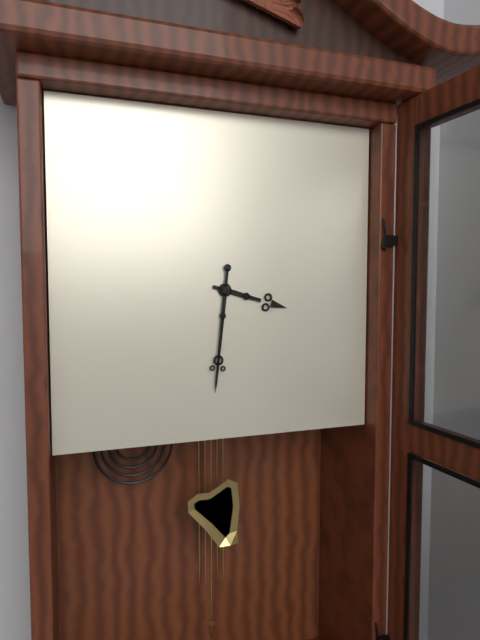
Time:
**3:31**
